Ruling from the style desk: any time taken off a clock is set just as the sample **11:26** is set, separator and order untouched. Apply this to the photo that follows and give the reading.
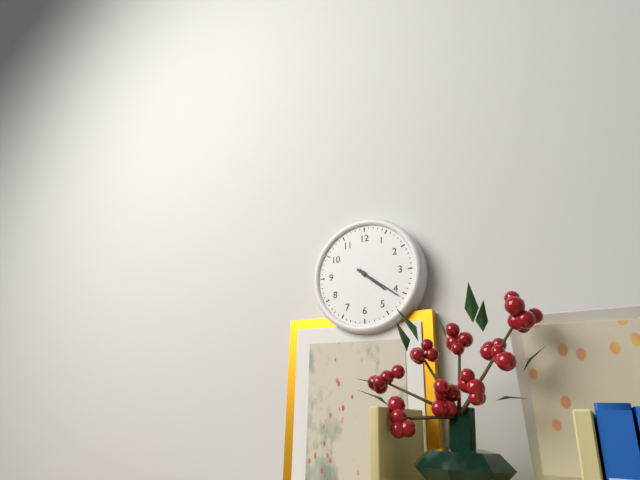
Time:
**4:21**
